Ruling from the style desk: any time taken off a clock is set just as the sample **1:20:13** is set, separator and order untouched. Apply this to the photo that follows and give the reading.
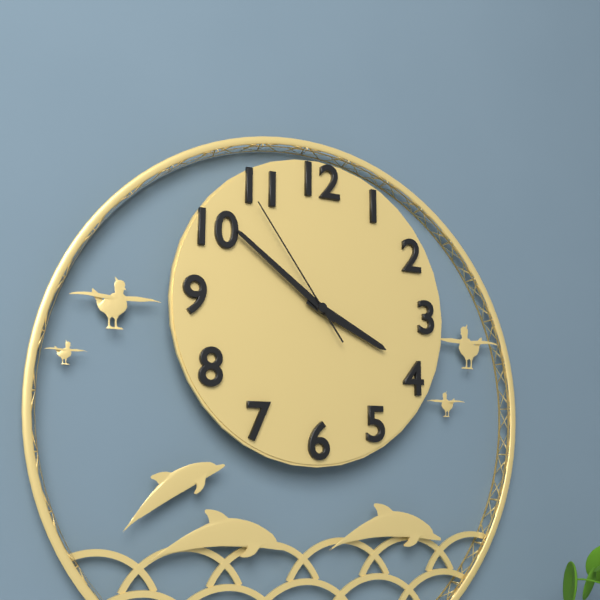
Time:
**3:51:54**
